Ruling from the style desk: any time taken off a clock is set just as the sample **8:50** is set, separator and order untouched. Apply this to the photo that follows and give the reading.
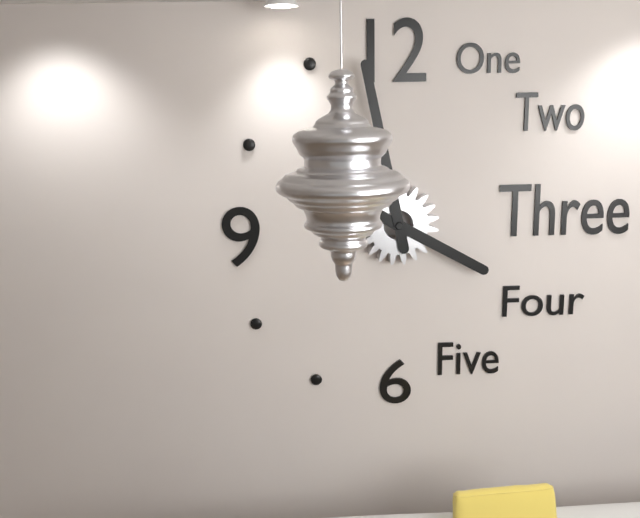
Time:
**3:58**
